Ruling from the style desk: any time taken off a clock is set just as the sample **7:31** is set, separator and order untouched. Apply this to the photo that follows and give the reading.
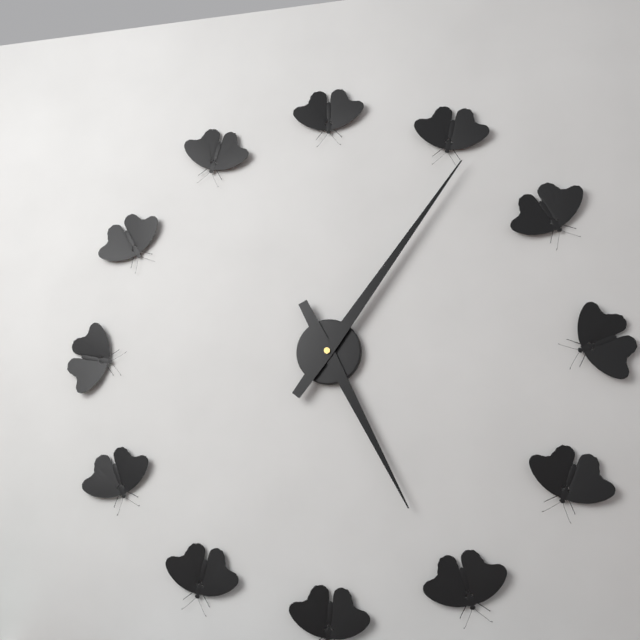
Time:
**5:06**
